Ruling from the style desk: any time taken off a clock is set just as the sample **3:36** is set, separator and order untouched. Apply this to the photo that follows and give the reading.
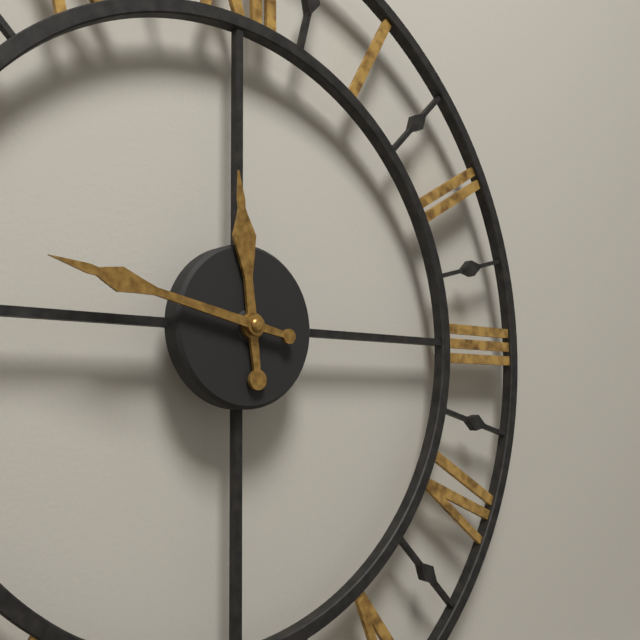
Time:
**11:47**
